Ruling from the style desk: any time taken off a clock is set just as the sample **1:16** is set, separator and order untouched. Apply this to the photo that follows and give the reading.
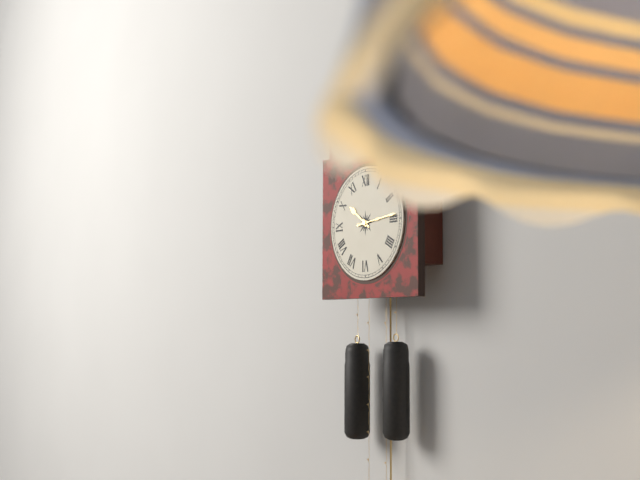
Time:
**10:14**
